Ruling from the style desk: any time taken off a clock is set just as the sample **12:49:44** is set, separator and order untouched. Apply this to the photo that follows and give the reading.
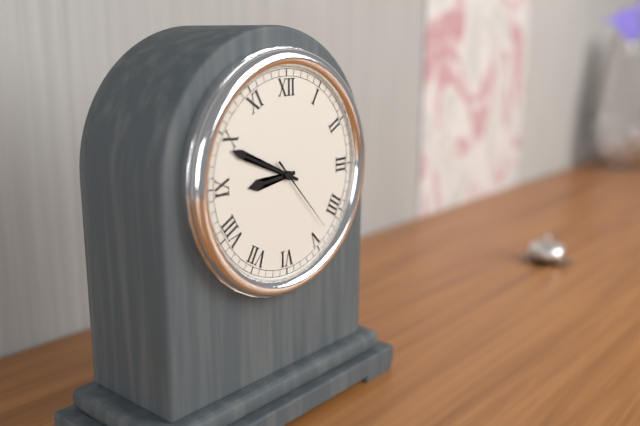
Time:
**8:49:23**
